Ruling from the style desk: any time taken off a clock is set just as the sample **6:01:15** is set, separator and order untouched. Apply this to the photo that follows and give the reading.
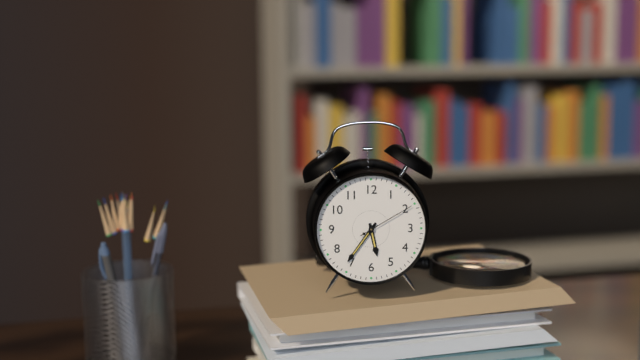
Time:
**5:36:10**
